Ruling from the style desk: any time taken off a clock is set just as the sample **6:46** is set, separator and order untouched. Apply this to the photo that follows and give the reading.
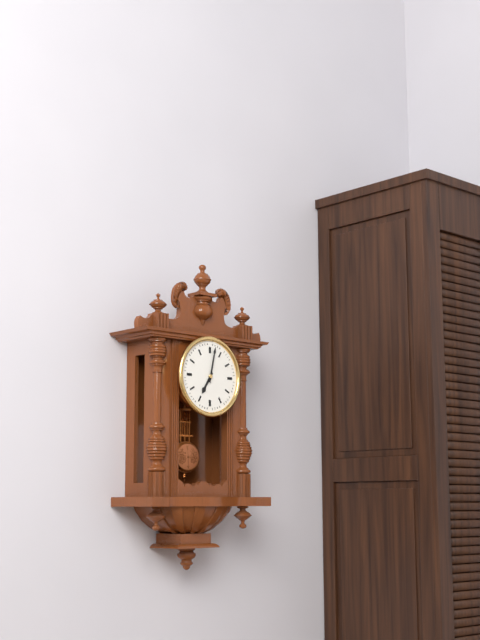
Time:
**7:02**
